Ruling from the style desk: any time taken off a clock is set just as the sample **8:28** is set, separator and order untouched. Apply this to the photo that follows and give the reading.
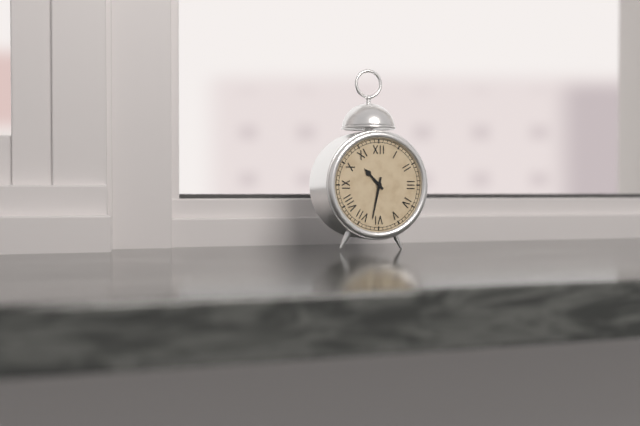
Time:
**10:32**
